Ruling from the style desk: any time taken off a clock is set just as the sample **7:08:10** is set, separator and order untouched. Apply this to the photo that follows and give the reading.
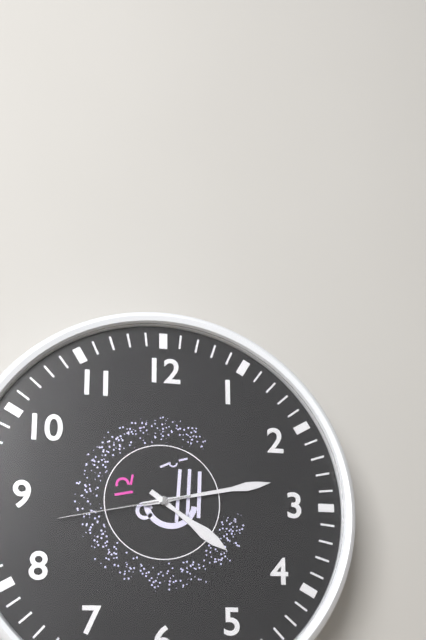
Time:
**4:13:43**
